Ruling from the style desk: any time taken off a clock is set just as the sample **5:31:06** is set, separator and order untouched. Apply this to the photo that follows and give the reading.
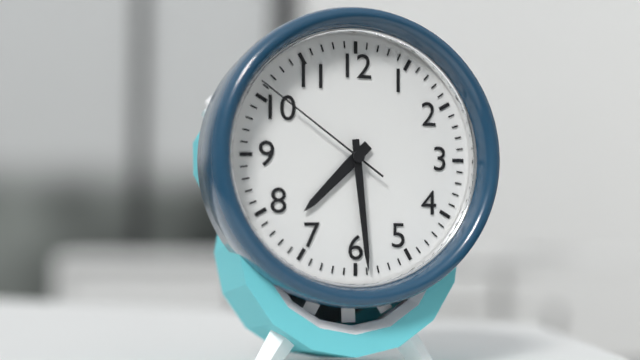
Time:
**7:29:51**
